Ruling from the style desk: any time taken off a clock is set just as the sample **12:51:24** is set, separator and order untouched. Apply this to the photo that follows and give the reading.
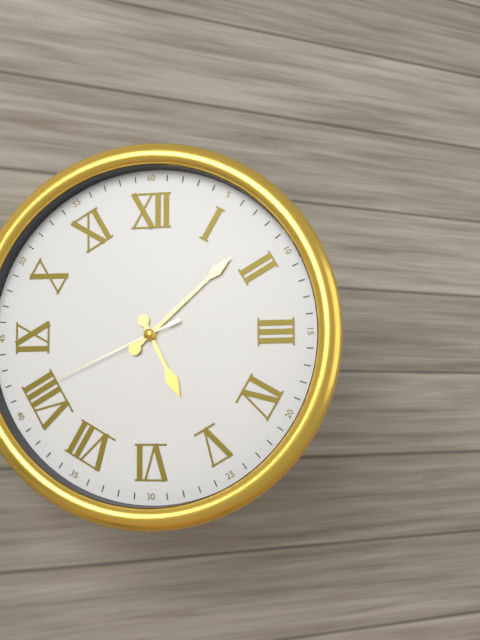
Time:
**5:08:41**
